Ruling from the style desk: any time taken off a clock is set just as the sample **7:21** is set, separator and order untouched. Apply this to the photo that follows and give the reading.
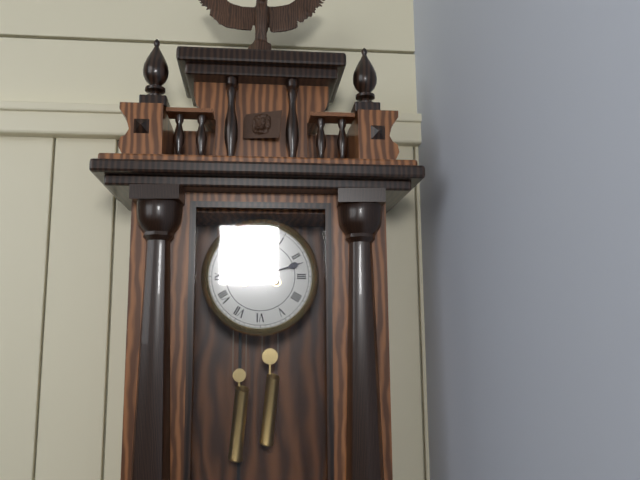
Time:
**9:12**
